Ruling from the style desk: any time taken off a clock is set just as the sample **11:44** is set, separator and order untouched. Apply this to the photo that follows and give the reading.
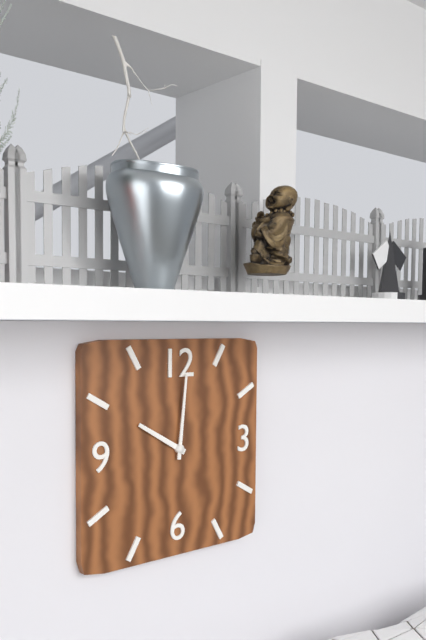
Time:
**10:01**
